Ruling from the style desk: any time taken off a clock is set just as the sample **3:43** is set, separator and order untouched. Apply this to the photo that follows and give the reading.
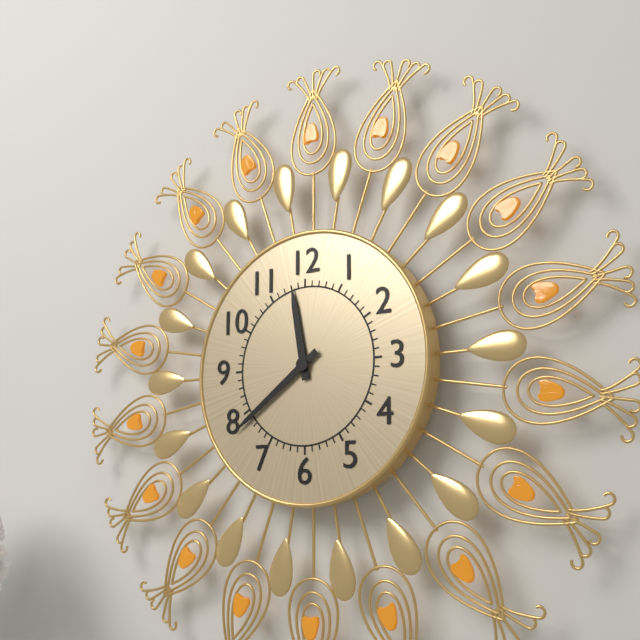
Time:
**11:39**
